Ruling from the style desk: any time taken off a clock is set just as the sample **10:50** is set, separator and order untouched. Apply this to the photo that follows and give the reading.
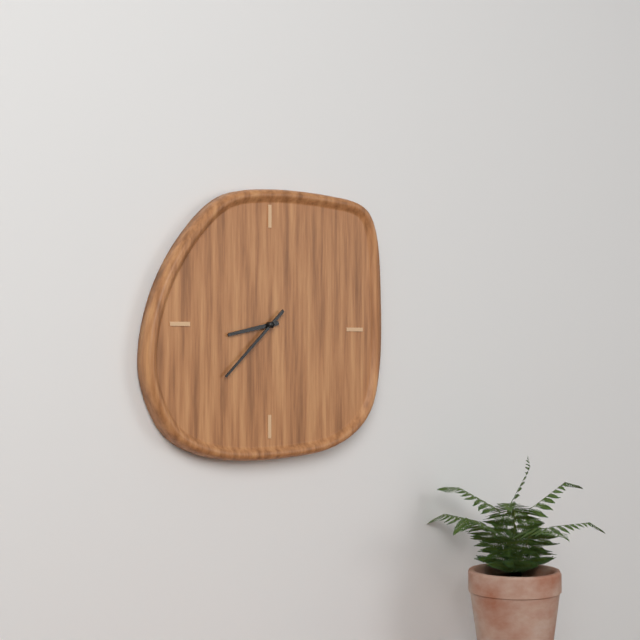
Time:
**8:38**
